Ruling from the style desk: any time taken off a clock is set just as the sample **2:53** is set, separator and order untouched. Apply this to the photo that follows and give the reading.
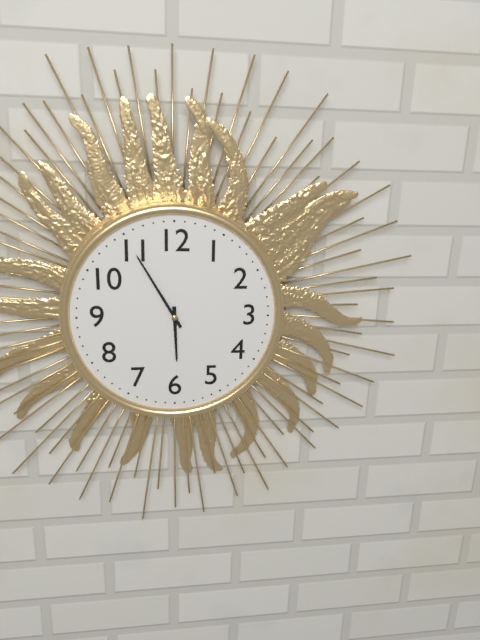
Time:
**5:55**
